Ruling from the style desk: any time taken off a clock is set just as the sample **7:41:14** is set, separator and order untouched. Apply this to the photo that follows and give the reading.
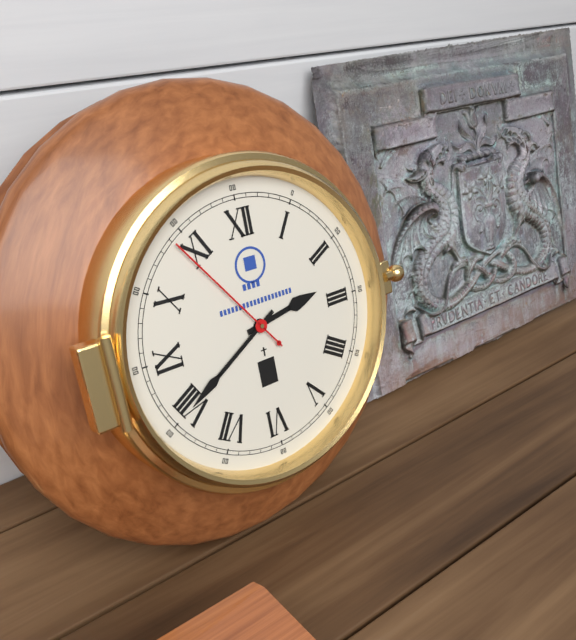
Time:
**2:40:54**
